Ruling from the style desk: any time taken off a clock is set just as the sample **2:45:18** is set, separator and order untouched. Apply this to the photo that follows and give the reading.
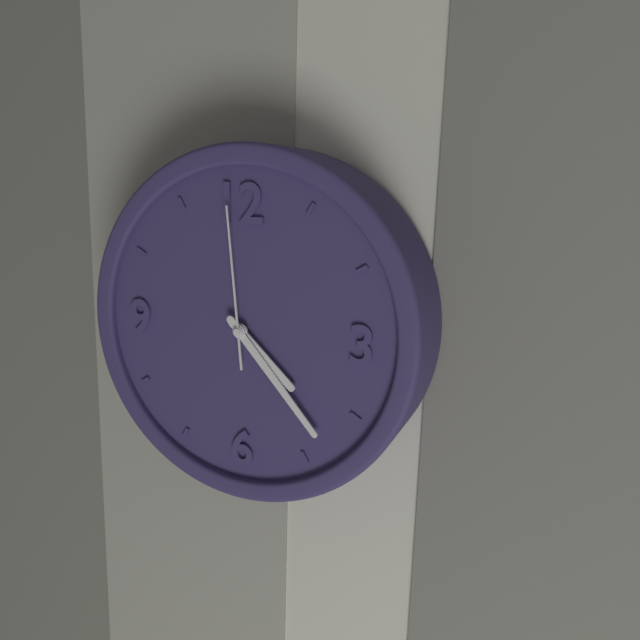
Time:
**4:23:59**
